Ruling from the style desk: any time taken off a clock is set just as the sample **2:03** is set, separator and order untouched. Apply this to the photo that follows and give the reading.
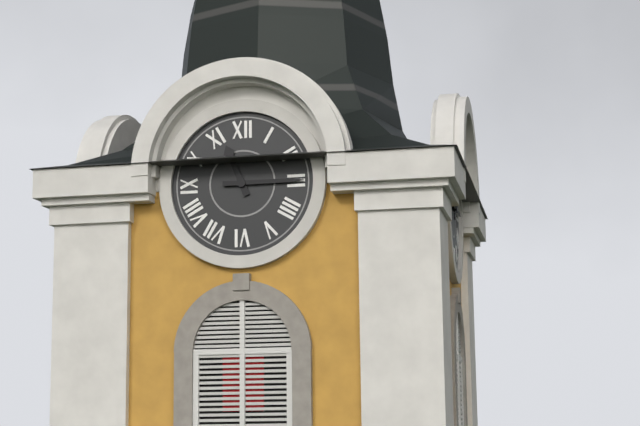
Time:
**11:15**
